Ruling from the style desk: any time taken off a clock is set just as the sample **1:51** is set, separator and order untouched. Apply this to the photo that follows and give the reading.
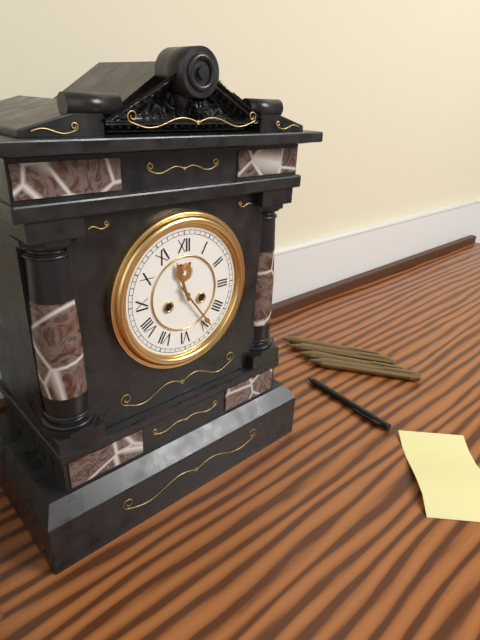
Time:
**11:24**
